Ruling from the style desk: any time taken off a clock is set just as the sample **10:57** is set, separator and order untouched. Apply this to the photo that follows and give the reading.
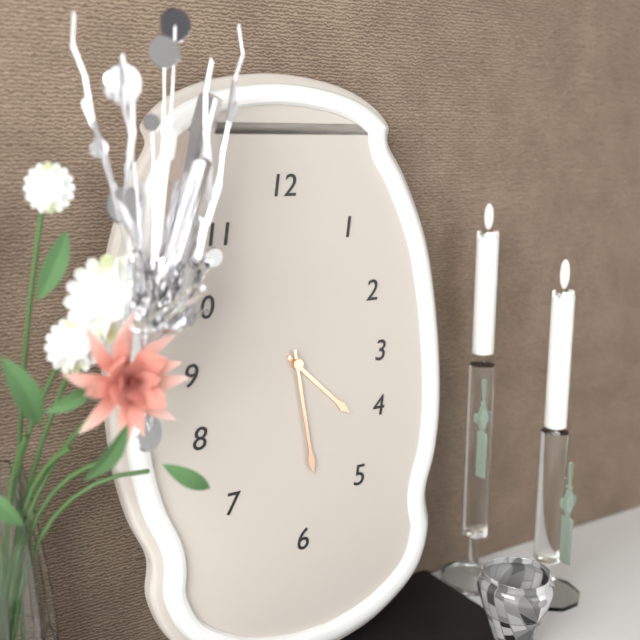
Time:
**4:29**
